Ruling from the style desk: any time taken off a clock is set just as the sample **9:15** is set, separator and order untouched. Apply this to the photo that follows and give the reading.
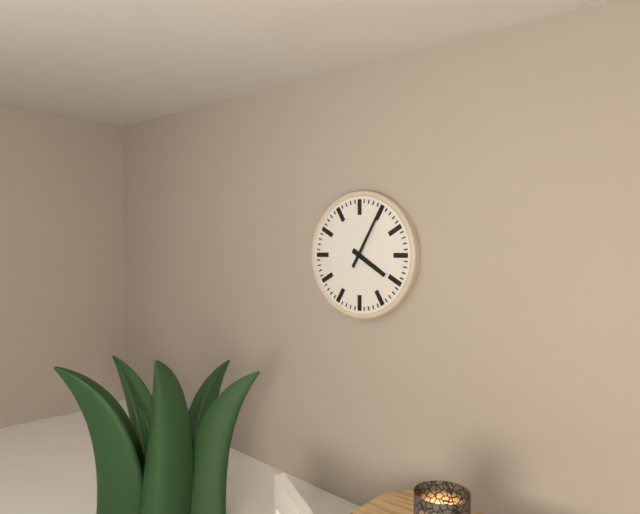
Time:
**4:05**
